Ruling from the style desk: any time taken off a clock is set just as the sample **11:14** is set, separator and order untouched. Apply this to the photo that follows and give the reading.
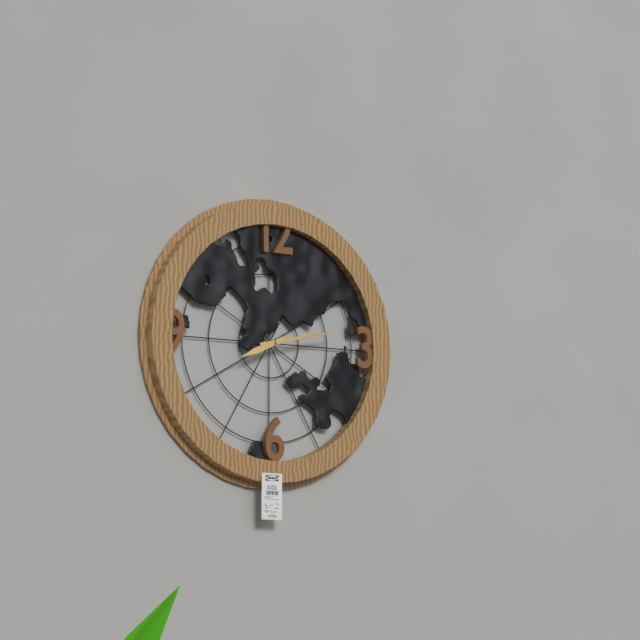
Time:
**8:13**
